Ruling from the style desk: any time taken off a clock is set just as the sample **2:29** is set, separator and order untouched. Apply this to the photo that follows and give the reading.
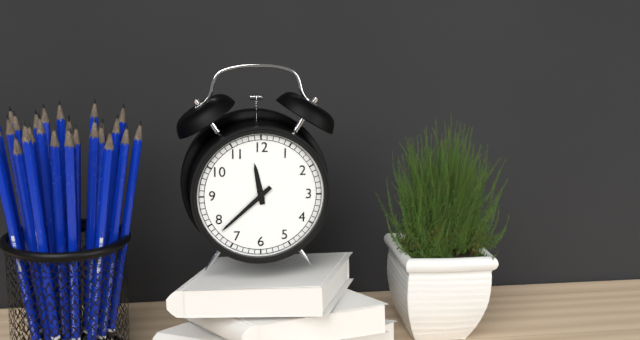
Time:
**11:38**
